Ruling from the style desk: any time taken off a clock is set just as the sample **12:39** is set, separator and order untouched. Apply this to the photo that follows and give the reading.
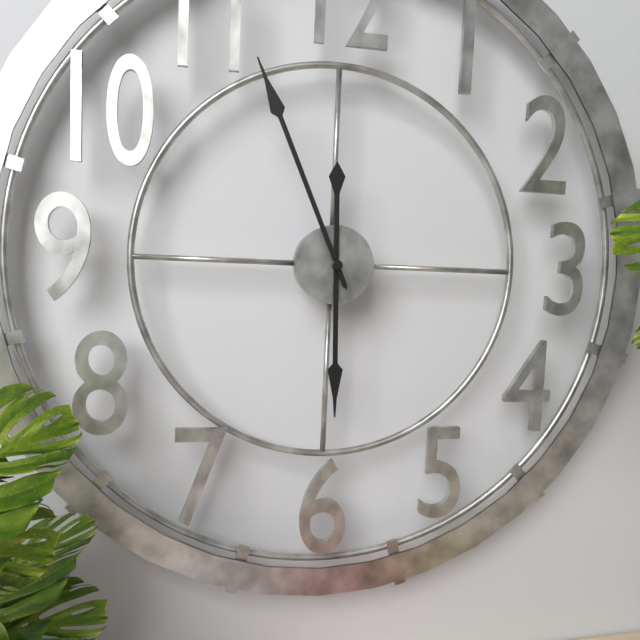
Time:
**5:56**
